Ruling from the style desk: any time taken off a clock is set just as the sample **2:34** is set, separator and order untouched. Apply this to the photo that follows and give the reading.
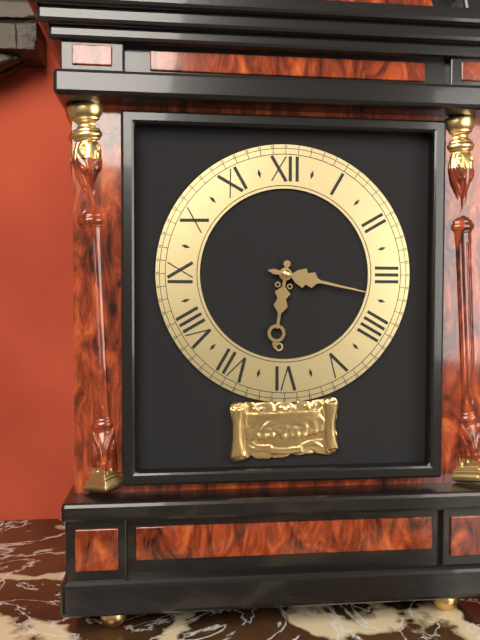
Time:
**6:17**
